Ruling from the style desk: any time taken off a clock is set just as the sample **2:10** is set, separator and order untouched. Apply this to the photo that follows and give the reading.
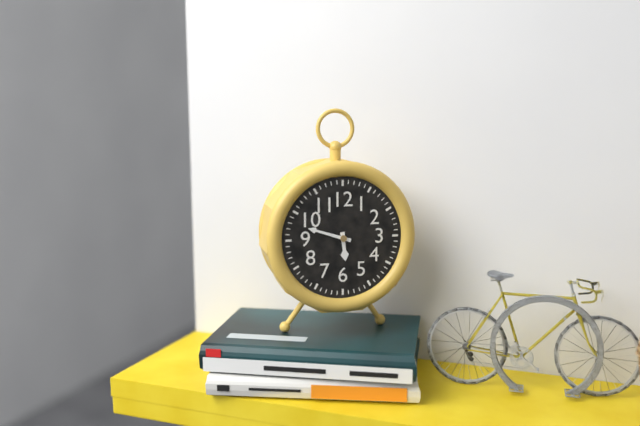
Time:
**5:48**
